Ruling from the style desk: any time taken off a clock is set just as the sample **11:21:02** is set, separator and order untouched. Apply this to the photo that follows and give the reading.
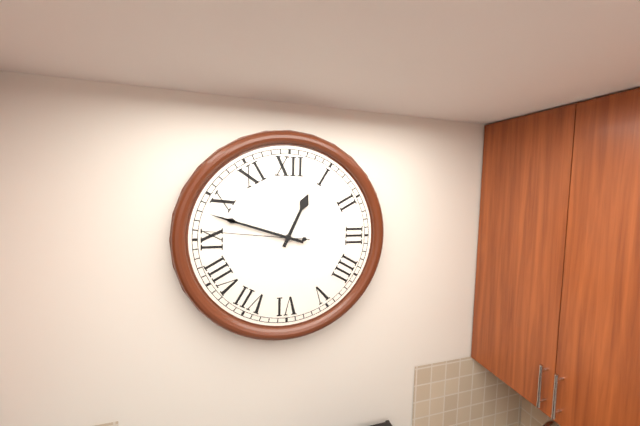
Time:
**12:48:46**
